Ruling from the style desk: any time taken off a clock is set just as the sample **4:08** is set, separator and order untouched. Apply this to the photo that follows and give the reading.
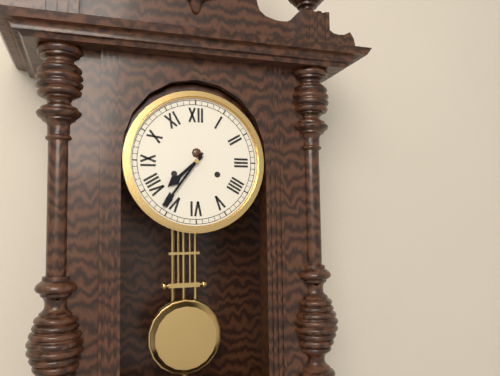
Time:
**7:36**
